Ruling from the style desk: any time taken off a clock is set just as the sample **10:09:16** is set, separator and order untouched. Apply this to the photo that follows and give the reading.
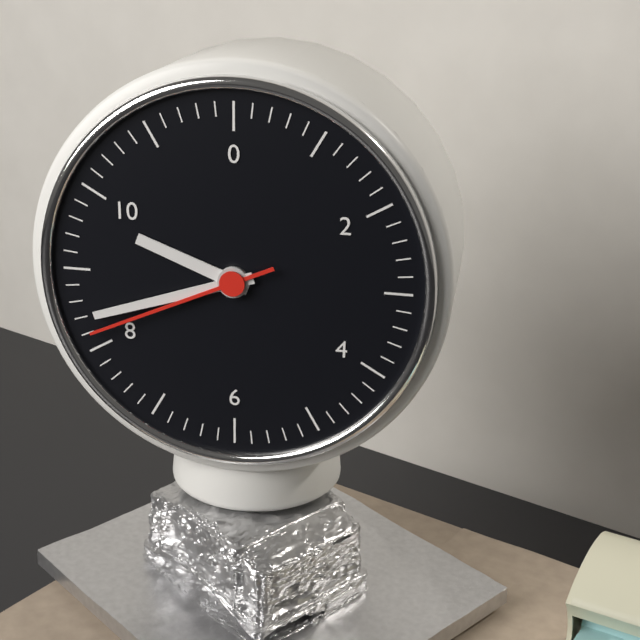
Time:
**9:42:41**
